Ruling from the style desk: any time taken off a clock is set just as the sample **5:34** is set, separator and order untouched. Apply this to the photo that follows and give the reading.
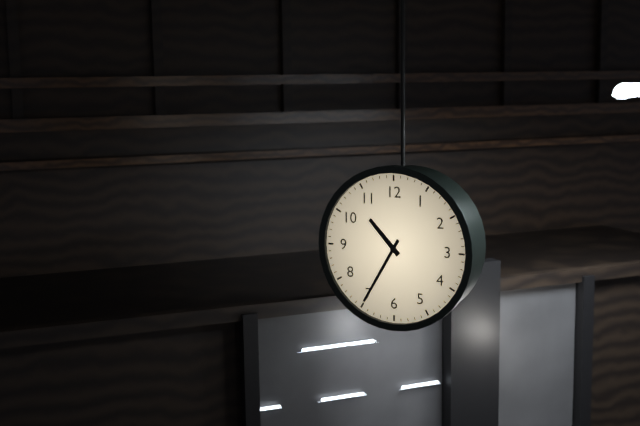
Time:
**10:35**
